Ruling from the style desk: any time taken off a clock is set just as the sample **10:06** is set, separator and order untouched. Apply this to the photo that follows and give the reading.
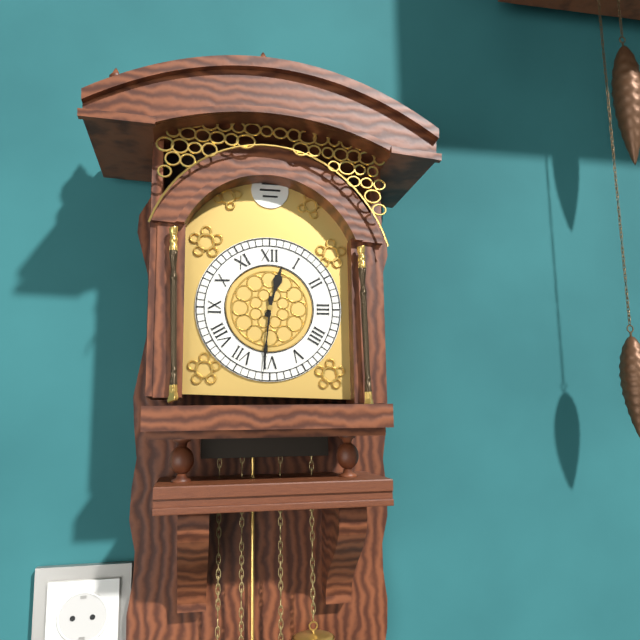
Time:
**12:31**
